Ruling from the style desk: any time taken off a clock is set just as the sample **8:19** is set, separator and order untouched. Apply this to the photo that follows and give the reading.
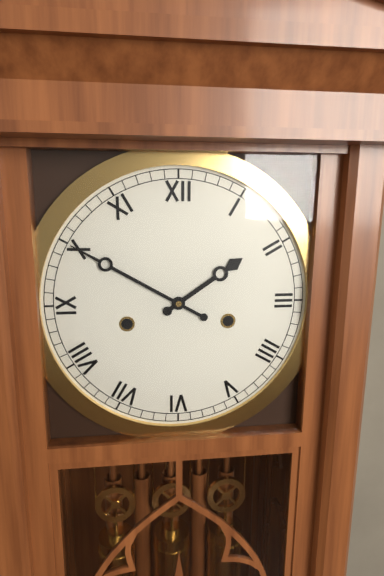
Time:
**1:50**
